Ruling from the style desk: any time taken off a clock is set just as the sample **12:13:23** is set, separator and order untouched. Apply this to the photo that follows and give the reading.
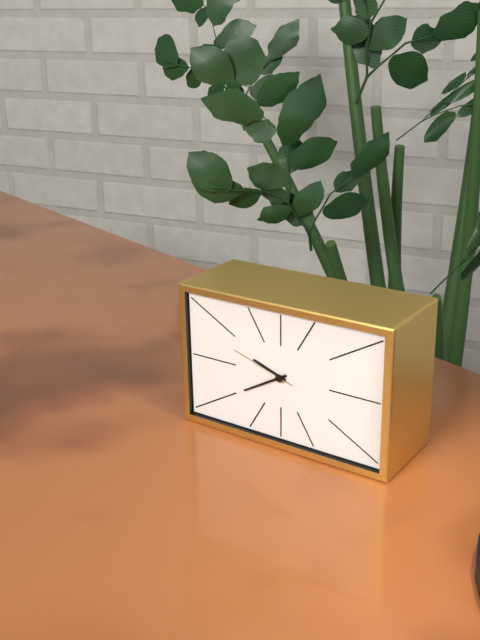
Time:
**9:40:48**
